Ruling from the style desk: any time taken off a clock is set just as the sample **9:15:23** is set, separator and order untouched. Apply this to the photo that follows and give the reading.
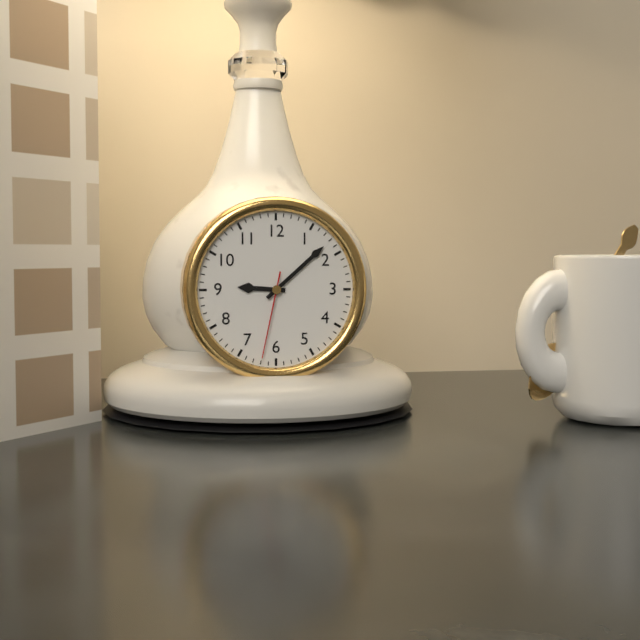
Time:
**9:08:32**
